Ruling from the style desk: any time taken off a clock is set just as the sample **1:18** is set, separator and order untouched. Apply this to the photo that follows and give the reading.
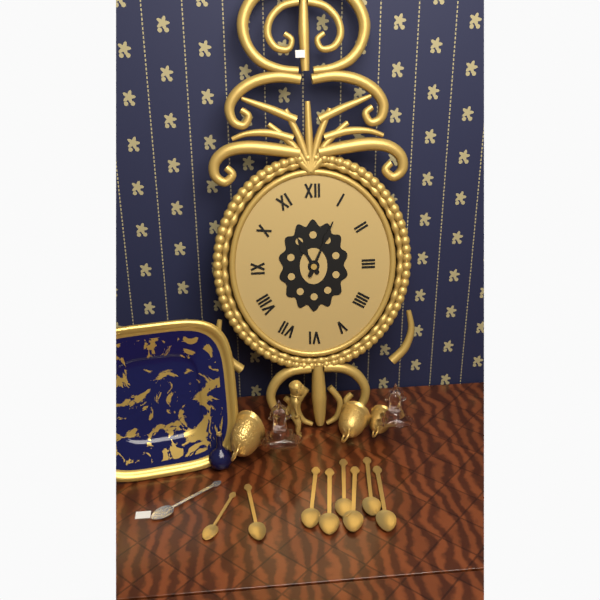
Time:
**11:04**
